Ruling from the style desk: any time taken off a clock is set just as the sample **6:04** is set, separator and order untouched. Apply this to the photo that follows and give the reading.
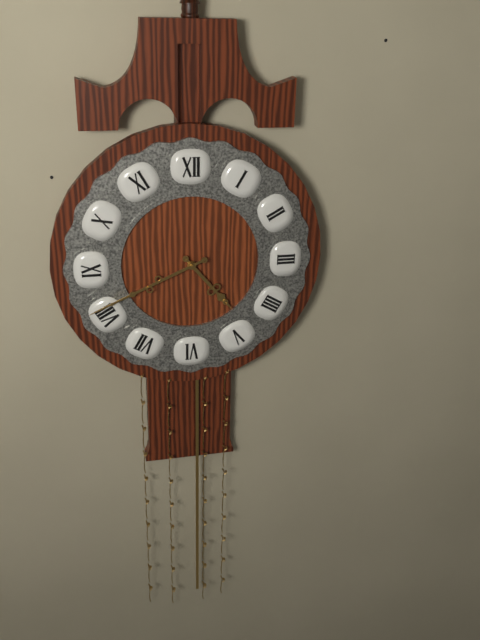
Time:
**4:41**
